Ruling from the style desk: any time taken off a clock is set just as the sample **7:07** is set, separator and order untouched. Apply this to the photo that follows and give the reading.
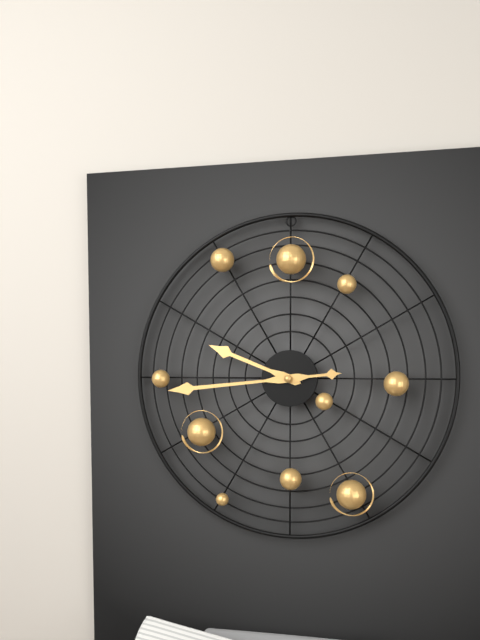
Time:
**9:44**
